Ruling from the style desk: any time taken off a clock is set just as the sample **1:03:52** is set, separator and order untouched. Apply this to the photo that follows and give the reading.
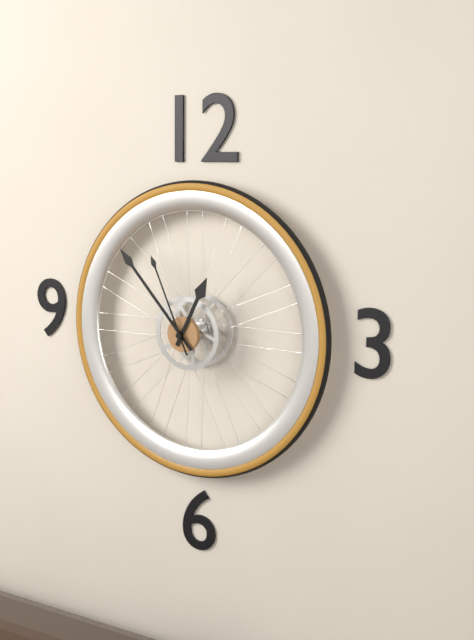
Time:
**12:53:56**
